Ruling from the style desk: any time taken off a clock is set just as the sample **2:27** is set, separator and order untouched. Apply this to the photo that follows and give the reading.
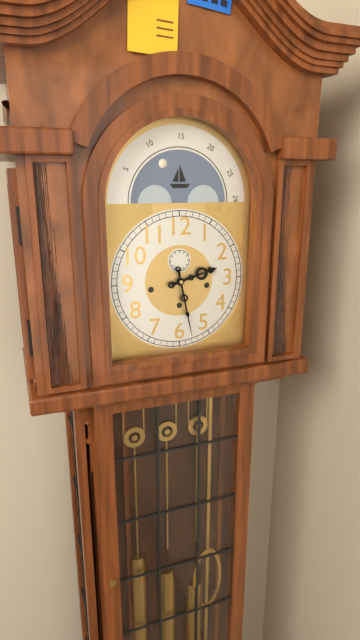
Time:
**2:28**
